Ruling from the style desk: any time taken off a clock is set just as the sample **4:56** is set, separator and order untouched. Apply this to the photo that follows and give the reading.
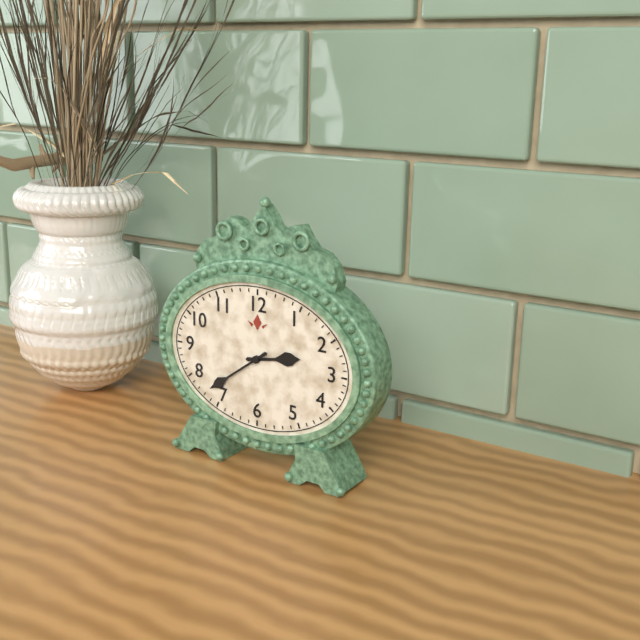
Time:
**2:39**
